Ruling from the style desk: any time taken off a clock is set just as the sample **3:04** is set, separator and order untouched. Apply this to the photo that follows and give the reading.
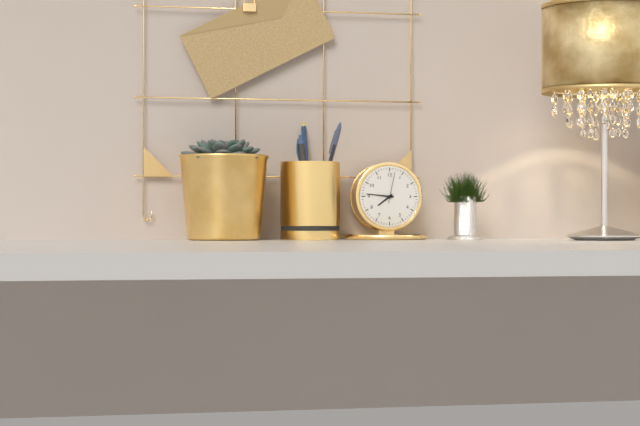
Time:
**7:46**
